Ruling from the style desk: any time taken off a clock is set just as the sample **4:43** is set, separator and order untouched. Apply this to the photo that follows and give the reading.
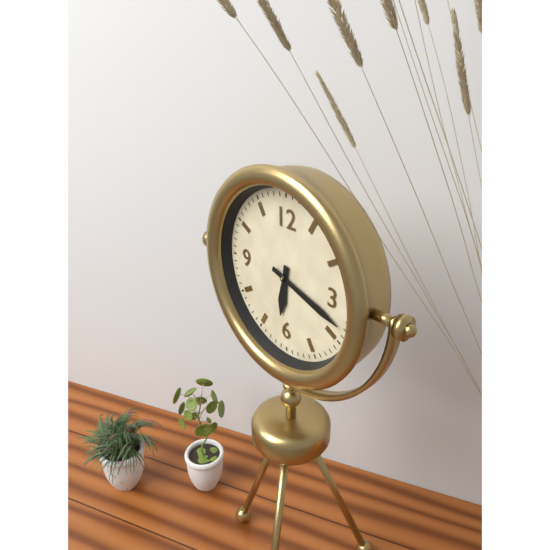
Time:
**6:18**
